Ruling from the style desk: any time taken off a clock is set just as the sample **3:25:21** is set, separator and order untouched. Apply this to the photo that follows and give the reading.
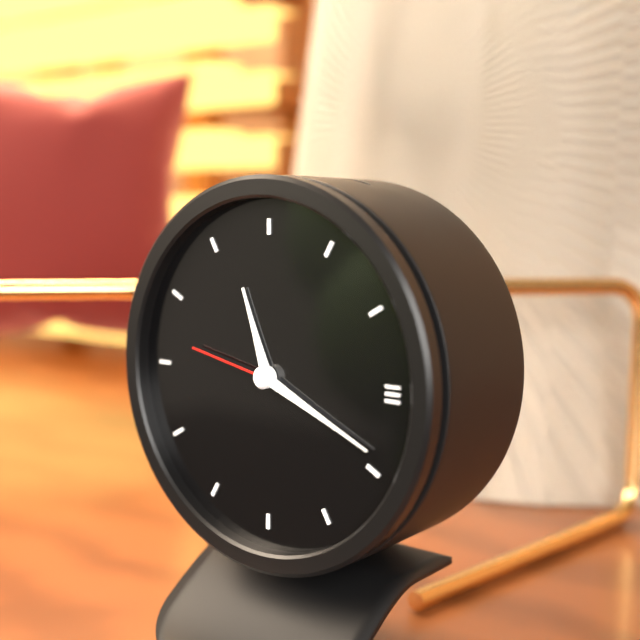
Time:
**11:19:47**
